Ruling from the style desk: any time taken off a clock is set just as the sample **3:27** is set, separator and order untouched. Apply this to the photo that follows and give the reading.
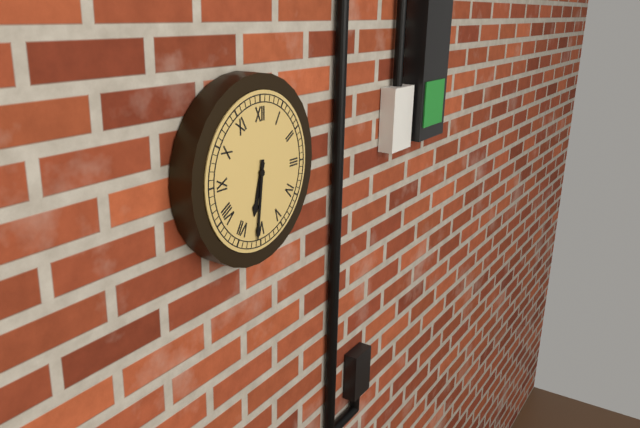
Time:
**6:31**
